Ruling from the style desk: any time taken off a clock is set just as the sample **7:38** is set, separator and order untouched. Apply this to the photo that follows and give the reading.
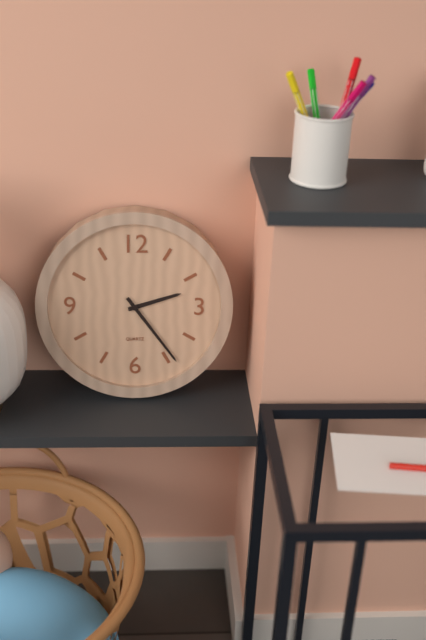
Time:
**2:24**
